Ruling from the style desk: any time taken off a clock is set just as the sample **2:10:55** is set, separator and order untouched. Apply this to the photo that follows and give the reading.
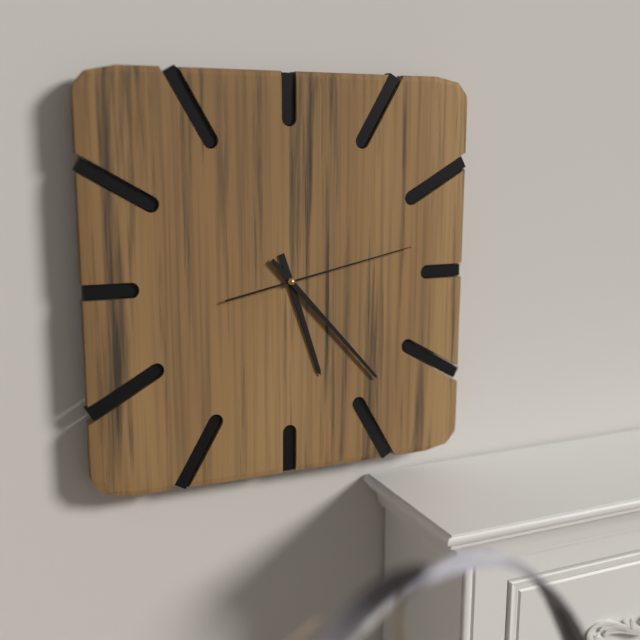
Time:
**5:23:13**
